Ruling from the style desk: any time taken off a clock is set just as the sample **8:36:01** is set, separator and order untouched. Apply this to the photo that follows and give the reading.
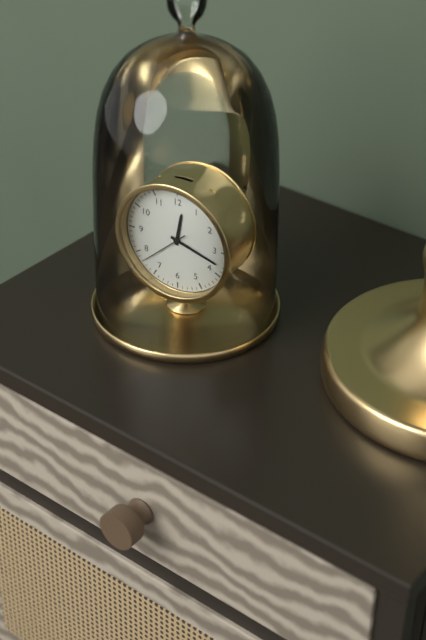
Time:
**12:18:38**
